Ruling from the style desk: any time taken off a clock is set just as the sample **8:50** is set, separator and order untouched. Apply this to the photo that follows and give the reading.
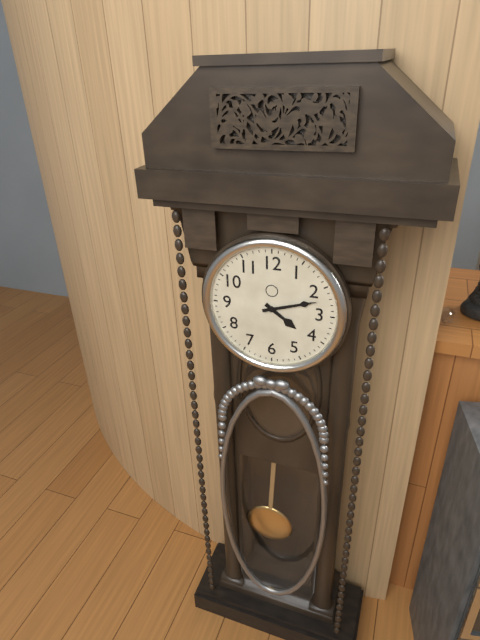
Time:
**4:12**
